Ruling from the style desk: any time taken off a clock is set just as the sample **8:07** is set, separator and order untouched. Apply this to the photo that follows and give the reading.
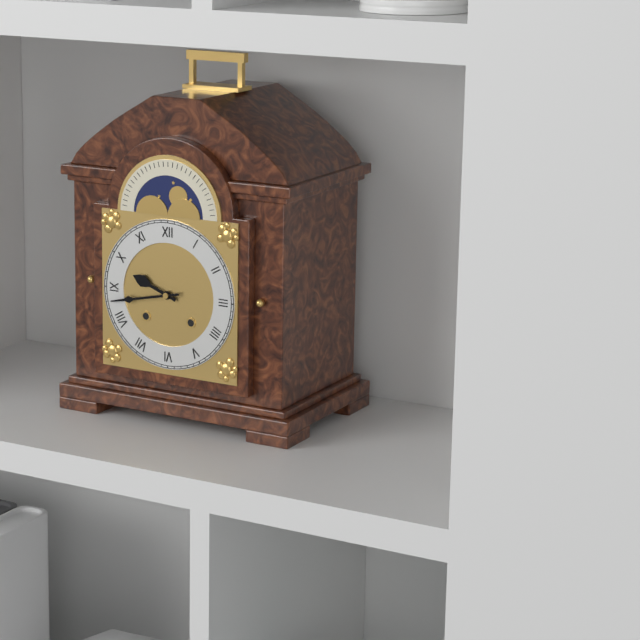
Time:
**9:43**
